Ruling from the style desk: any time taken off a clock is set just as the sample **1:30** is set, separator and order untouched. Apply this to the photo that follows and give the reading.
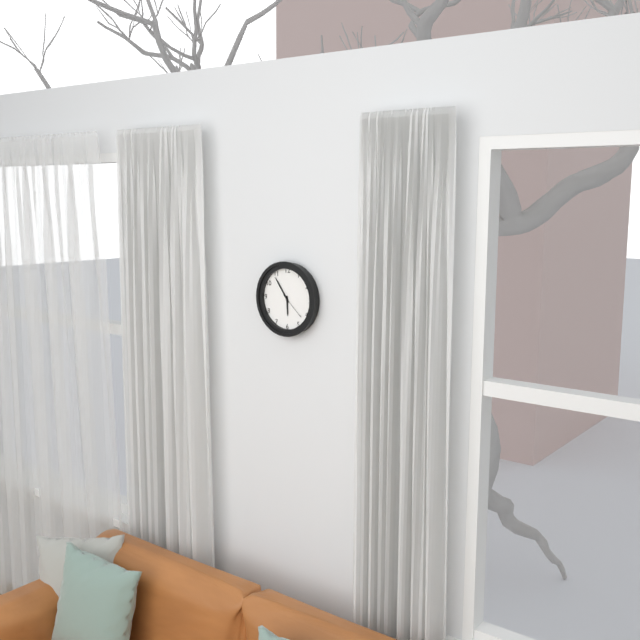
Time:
**5:54**
